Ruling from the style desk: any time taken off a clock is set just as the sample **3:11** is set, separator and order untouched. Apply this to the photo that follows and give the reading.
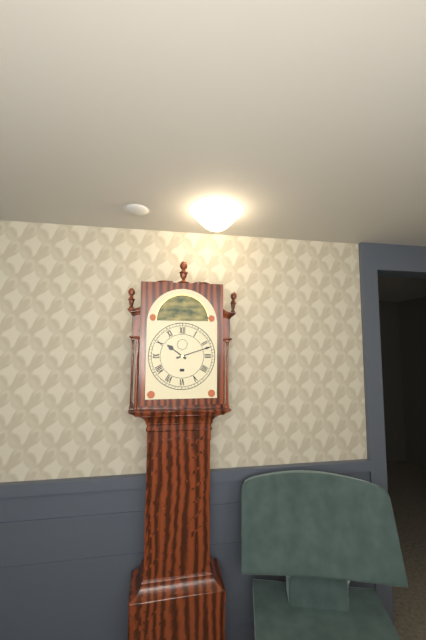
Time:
**10:12**
